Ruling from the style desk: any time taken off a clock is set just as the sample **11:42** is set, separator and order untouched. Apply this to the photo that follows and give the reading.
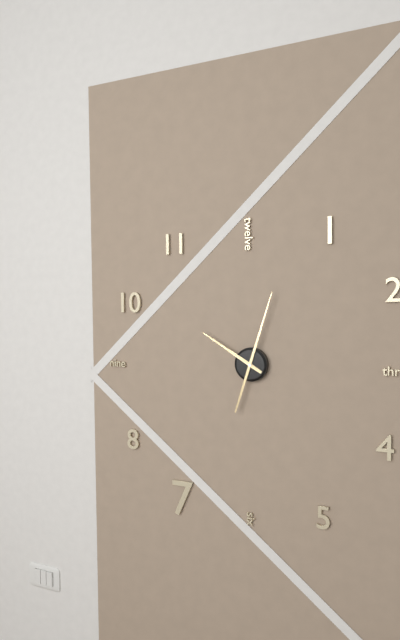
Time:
**10:03**
